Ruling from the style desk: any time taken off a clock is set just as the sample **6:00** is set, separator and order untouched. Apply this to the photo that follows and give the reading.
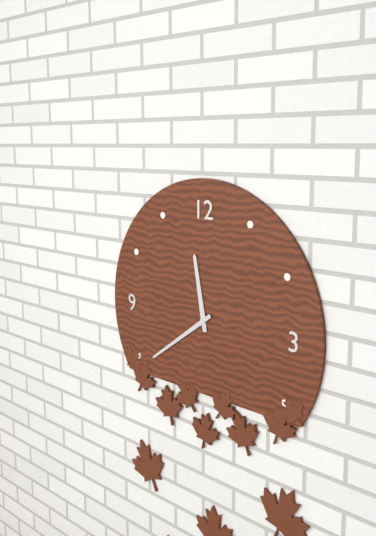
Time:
**11:39**
